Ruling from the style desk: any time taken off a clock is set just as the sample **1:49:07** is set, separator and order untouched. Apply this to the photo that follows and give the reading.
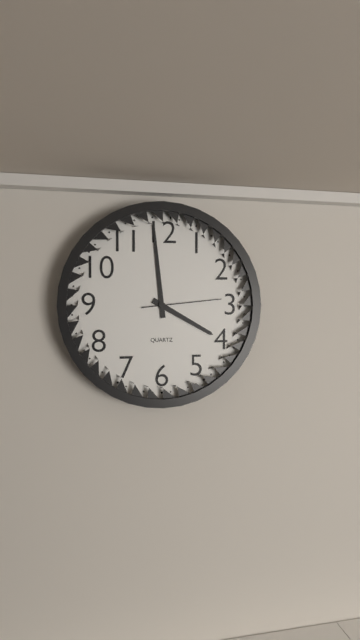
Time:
**3:59:14**
